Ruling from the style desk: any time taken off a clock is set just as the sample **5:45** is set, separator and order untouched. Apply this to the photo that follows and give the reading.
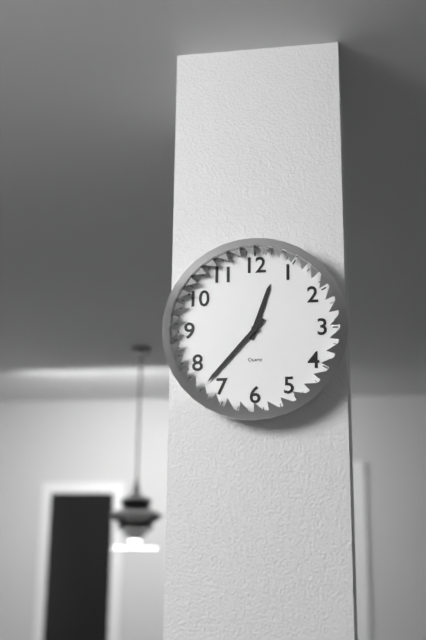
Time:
**12:37**
